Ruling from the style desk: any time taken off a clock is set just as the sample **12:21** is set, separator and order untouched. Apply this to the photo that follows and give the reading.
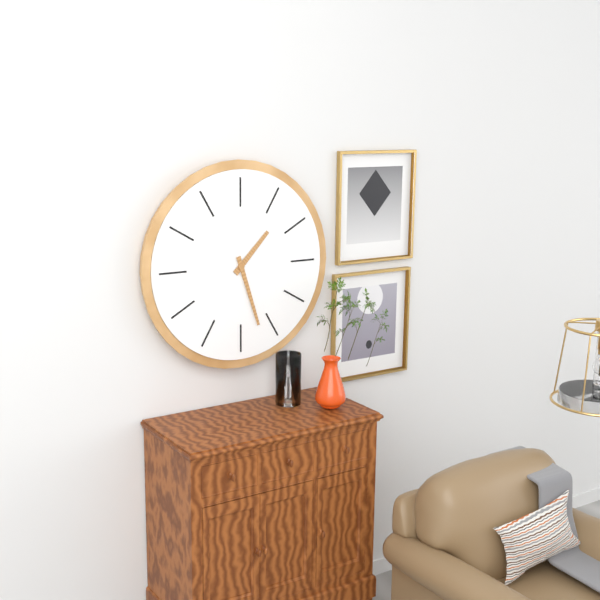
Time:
**1:27**
